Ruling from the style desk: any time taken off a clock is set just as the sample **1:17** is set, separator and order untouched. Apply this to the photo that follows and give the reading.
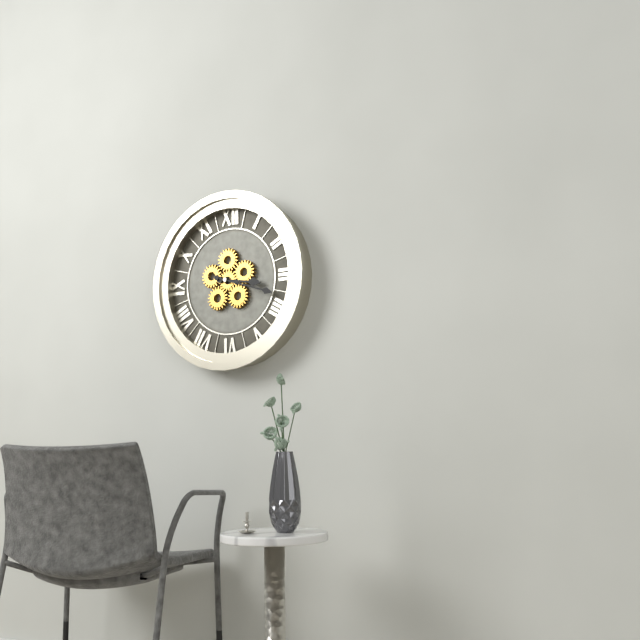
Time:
**3:18**
